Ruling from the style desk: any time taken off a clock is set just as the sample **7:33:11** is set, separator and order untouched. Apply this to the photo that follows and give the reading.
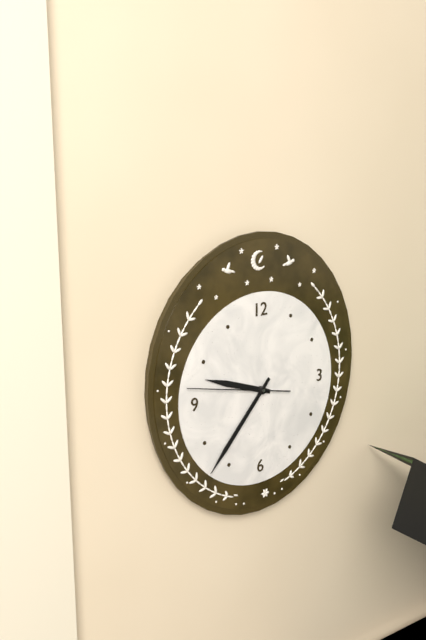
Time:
**9:37:47**
